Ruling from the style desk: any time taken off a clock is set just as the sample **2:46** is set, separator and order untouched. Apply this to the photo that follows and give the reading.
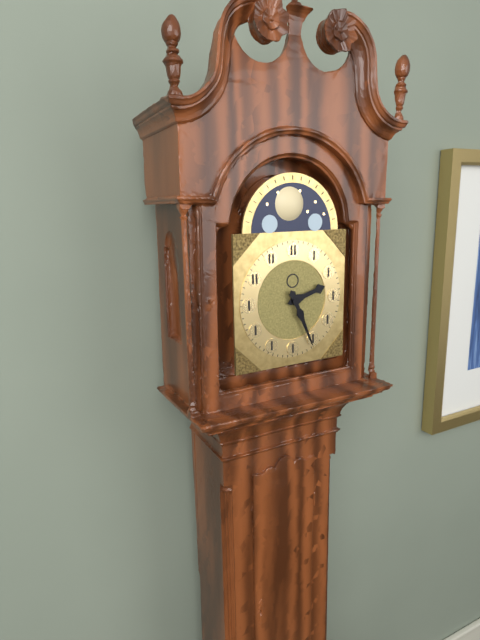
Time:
**2:26**
